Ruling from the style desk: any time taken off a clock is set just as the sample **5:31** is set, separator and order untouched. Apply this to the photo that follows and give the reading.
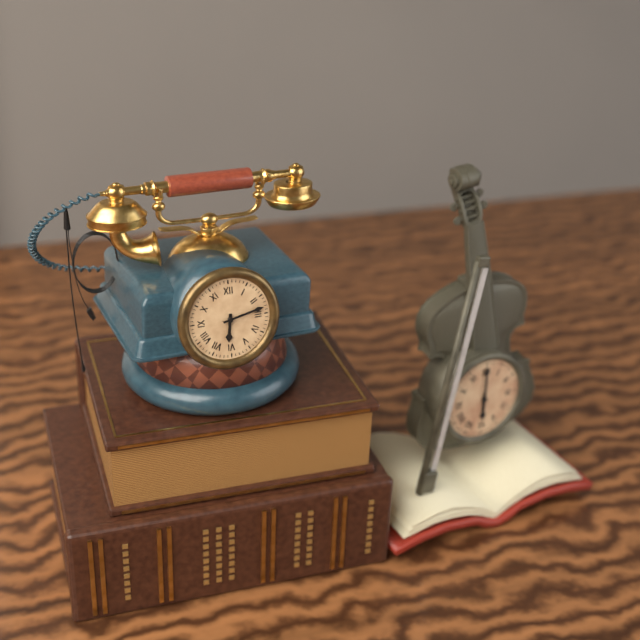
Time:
**6:13**
